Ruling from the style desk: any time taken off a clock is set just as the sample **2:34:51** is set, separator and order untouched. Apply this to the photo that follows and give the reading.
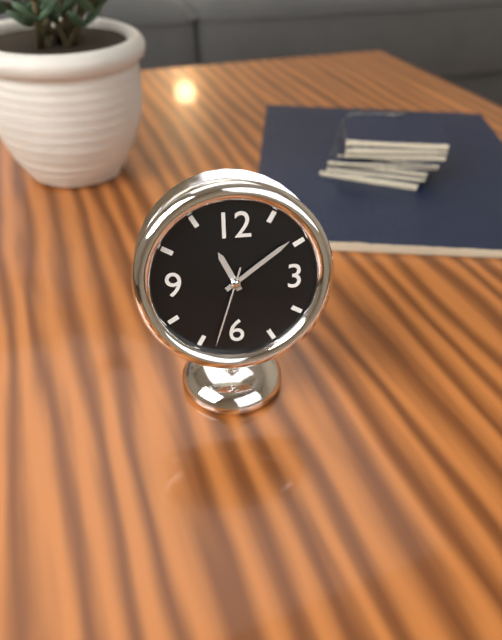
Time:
**11:09:33**
